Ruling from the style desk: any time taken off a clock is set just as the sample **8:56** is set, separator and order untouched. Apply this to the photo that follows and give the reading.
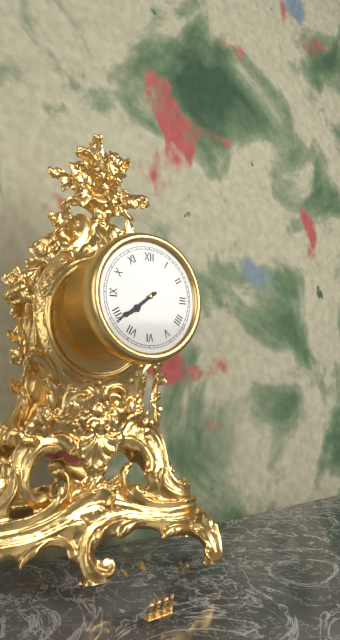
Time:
**7:39**
